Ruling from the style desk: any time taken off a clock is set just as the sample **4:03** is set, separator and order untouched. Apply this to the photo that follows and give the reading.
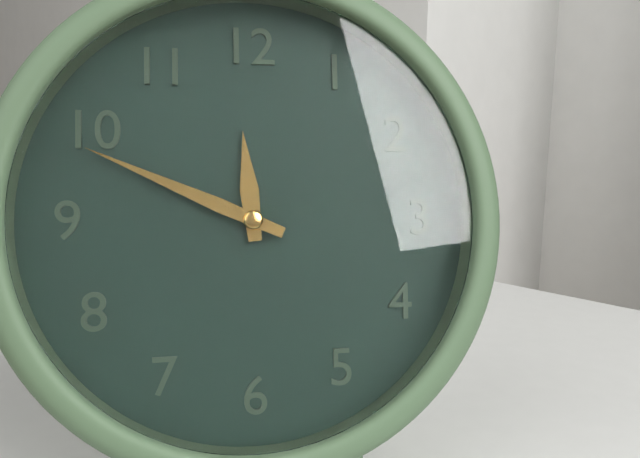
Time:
**11:49**
